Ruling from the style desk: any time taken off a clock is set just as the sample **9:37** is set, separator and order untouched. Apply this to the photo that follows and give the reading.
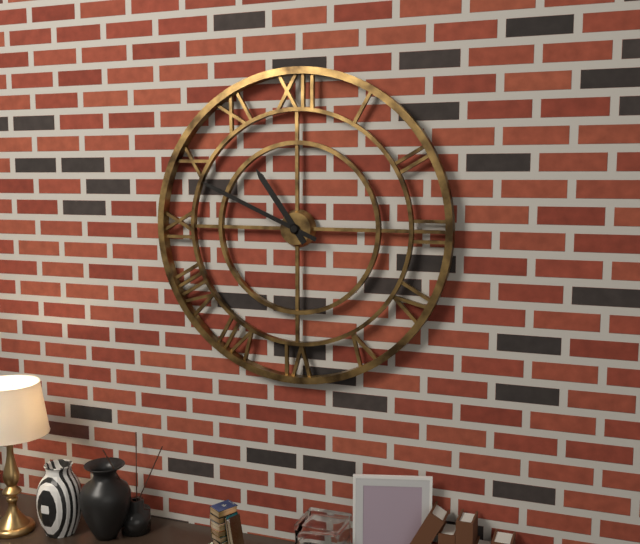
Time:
**10:49**
